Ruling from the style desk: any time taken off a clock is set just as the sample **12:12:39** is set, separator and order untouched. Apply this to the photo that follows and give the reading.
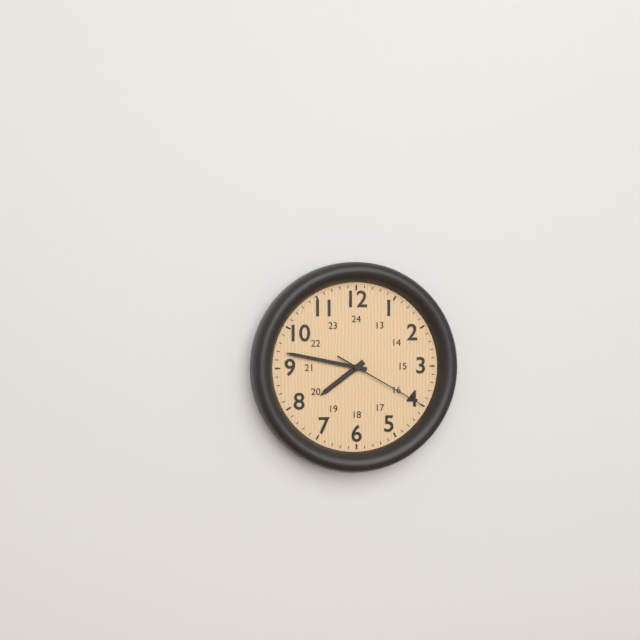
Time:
**7:47:20**
